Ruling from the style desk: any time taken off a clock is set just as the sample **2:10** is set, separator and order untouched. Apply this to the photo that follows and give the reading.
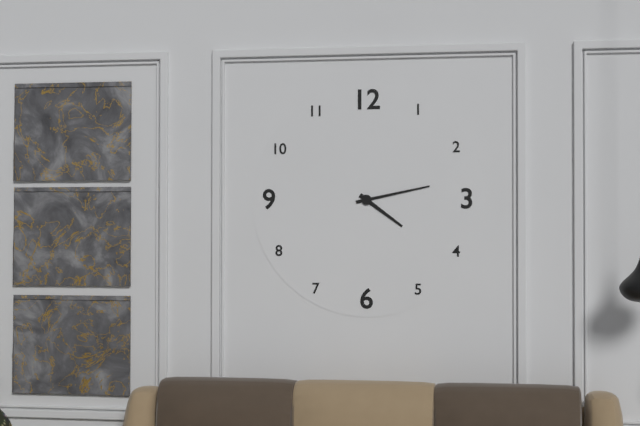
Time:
**4:13**
